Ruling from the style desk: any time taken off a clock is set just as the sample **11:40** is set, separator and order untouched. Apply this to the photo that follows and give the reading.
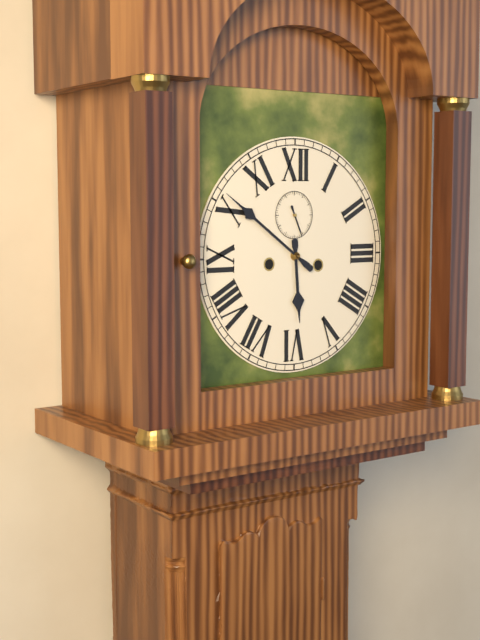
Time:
**5:51**
